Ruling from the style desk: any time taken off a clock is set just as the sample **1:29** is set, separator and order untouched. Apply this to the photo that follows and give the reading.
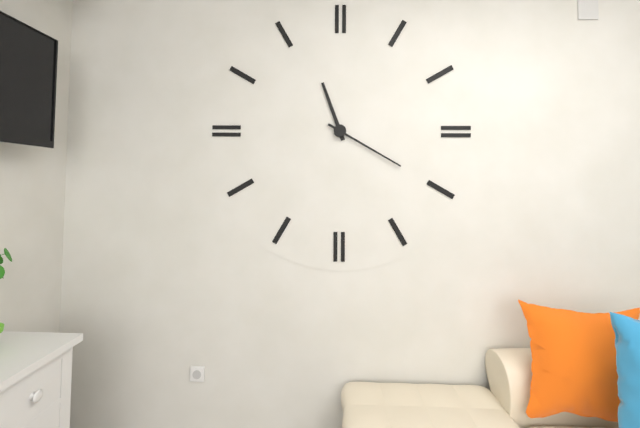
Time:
**11:20**
